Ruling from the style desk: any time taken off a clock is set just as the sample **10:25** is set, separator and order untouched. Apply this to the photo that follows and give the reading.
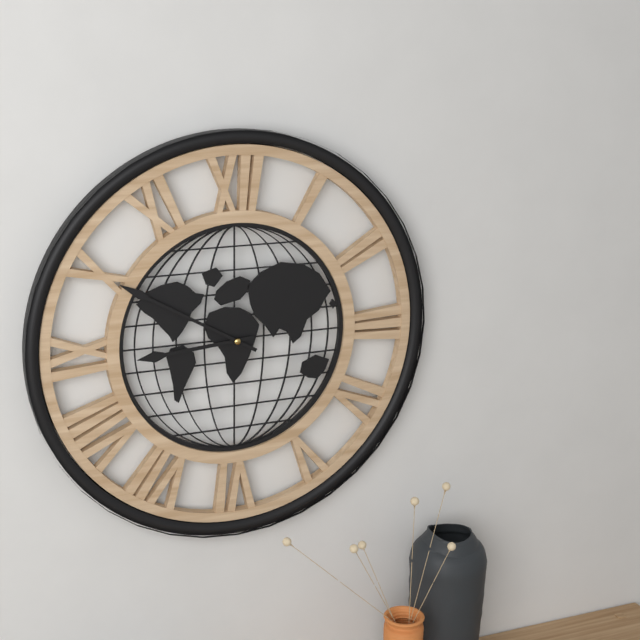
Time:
**8:50**
